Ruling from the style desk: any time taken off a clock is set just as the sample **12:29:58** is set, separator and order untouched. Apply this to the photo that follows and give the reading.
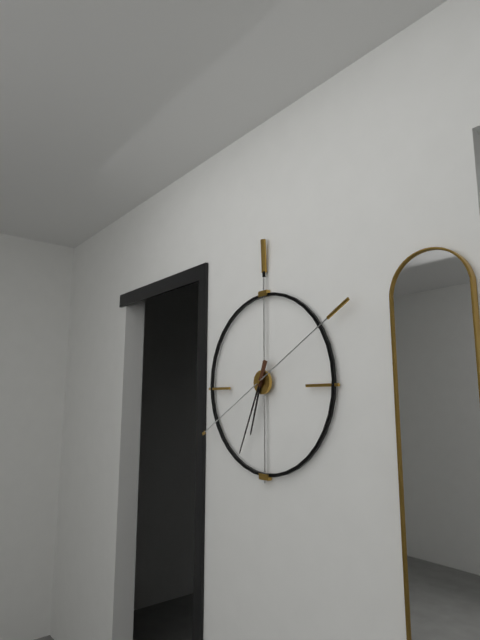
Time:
**6:34:10**
